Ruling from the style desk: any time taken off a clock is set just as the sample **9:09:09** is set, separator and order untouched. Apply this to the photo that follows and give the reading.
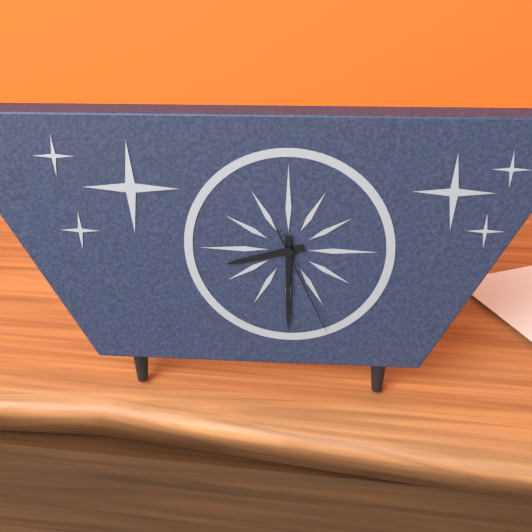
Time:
**8:30:26**
